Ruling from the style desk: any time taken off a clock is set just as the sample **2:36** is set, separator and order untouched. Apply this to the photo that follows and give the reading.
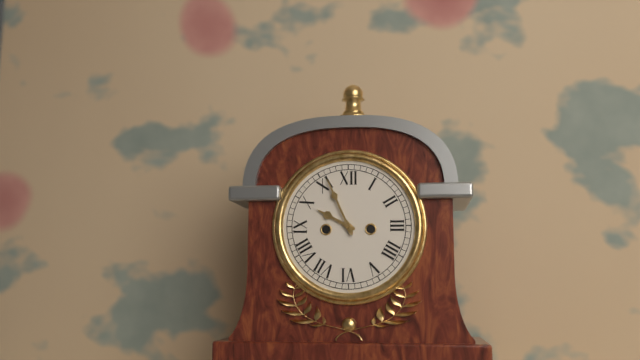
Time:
**9:56**
